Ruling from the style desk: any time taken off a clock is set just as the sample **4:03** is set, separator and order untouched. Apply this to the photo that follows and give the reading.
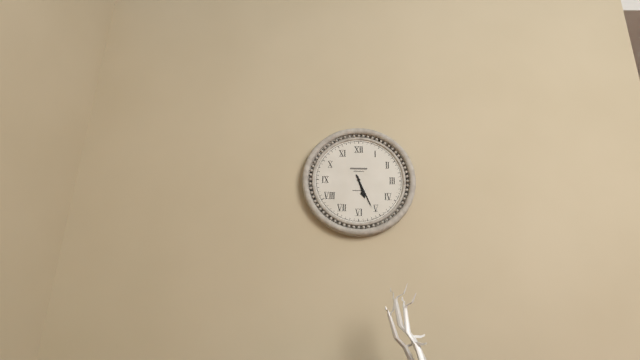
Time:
**5:26**
